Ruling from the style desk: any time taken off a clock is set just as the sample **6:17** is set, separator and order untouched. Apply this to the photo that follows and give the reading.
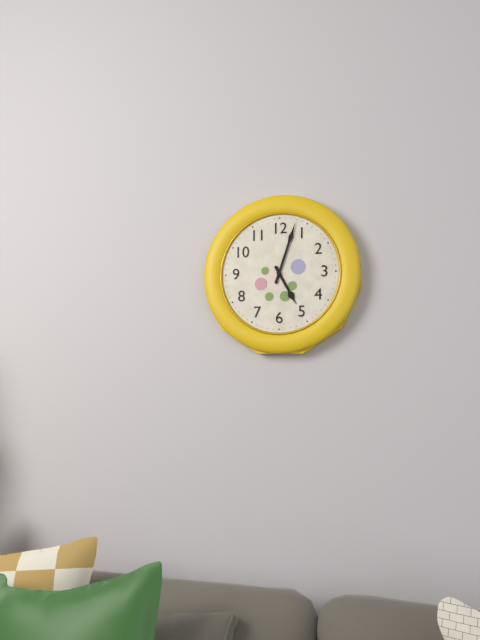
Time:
**5:03**
